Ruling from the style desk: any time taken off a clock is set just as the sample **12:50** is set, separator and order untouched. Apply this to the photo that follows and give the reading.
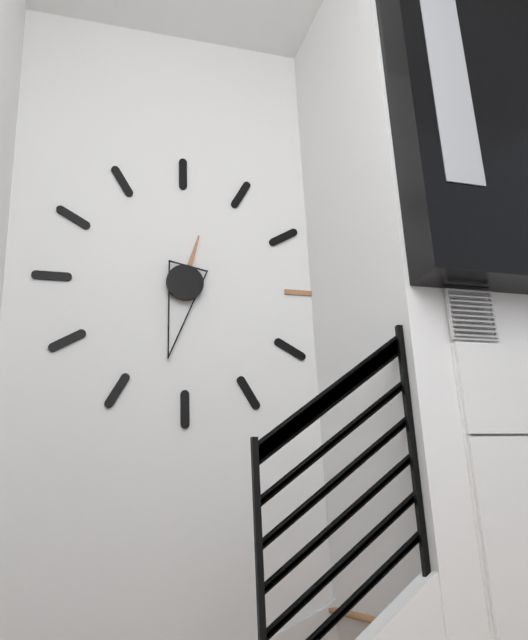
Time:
**12:32**
